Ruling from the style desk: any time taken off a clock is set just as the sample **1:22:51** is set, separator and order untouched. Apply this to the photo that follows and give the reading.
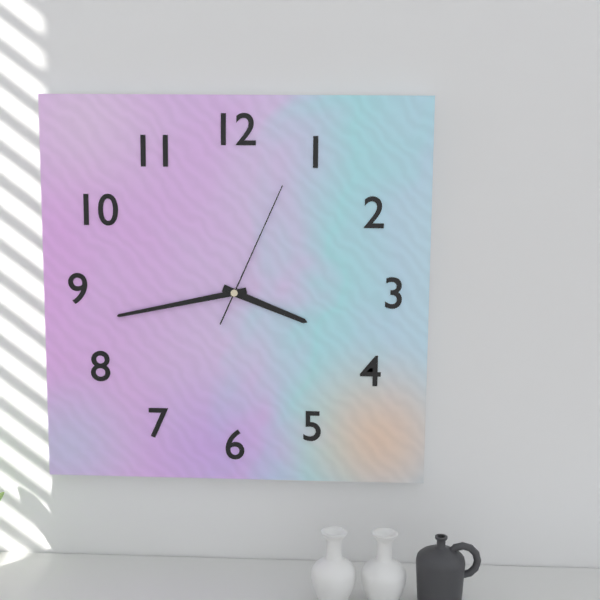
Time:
**3:43:04**
